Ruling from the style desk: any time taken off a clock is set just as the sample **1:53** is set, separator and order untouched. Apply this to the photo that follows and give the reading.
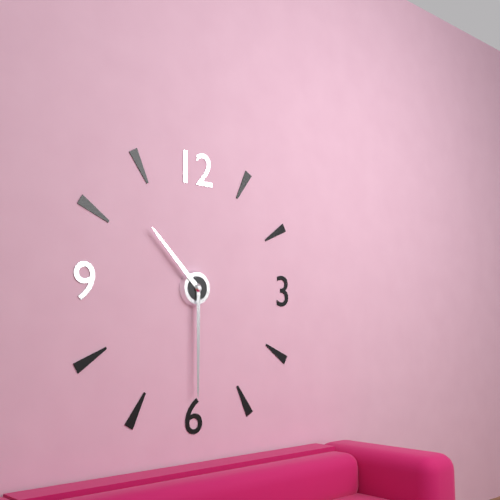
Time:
**10:30**
